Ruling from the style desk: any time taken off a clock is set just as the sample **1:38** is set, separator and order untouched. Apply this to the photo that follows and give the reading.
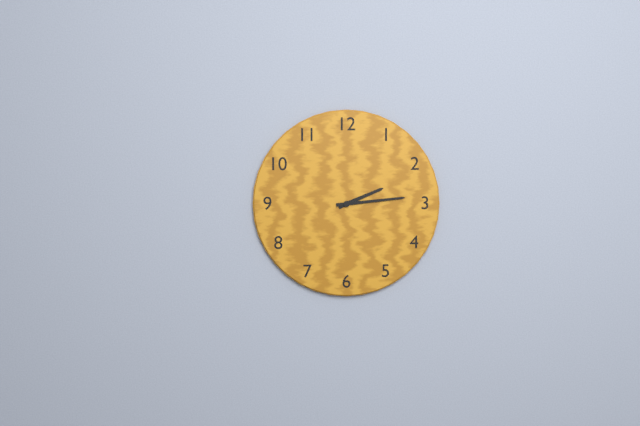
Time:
**2:14**
